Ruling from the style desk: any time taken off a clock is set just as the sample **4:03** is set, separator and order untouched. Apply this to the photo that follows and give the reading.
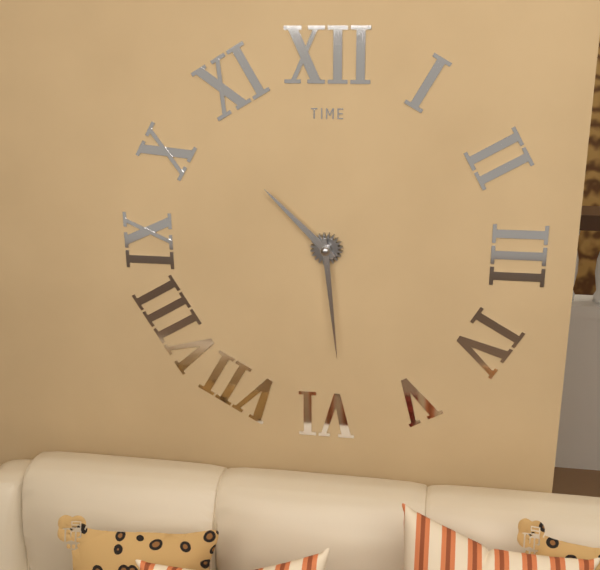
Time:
**10:29**
